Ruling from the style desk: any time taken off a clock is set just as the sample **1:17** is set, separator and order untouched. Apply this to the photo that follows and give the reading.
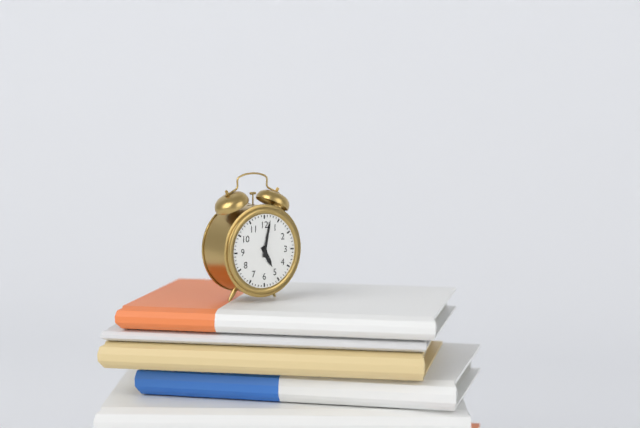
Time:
**5:02**
